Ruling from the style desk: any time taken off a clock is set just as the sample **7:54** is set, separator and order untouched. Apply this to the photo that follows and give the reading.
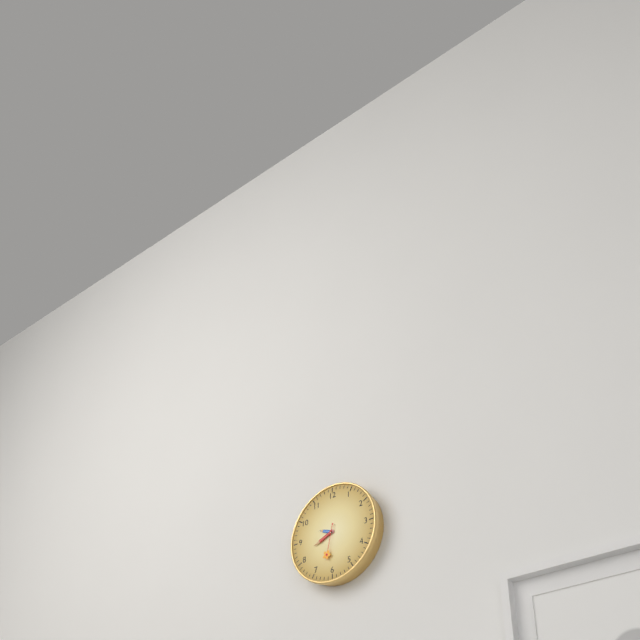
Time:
**9:41**
